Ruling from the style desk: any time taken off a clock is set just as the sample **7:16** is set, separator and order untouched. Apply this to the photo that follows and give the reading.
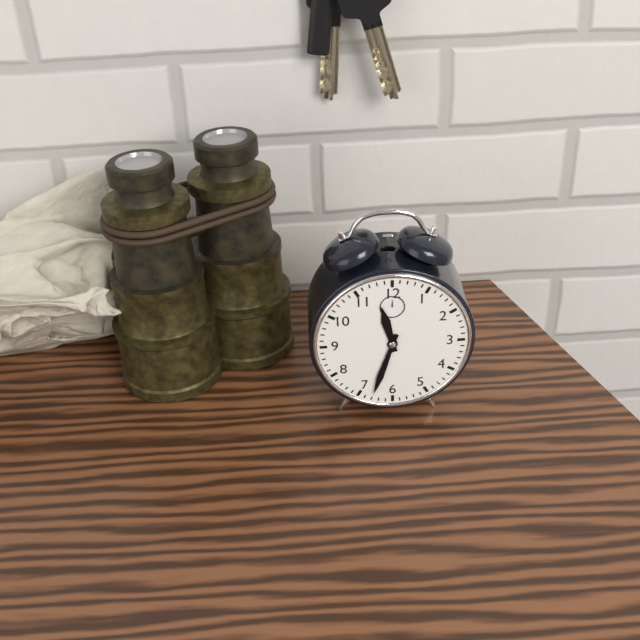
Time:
**11:33**
